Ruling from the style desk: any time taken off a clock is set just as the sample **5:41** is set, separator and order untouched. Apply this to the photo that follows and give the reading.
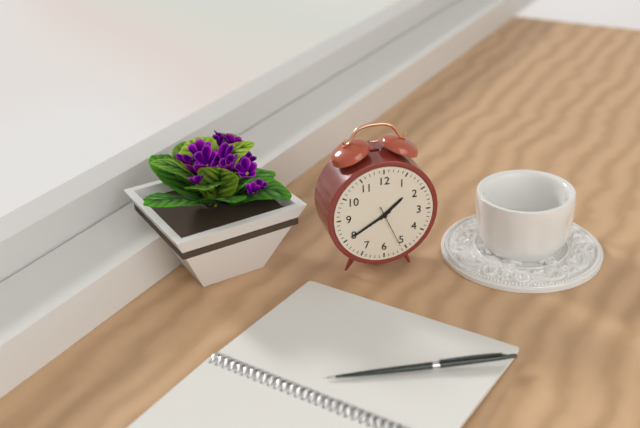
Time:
**1:40**
